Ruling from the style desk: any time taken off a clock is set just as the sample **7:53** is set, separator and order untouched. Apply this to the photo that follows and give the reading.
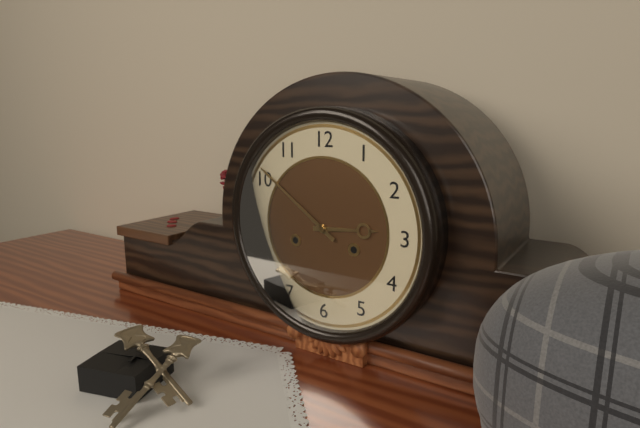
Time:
**2:51**
